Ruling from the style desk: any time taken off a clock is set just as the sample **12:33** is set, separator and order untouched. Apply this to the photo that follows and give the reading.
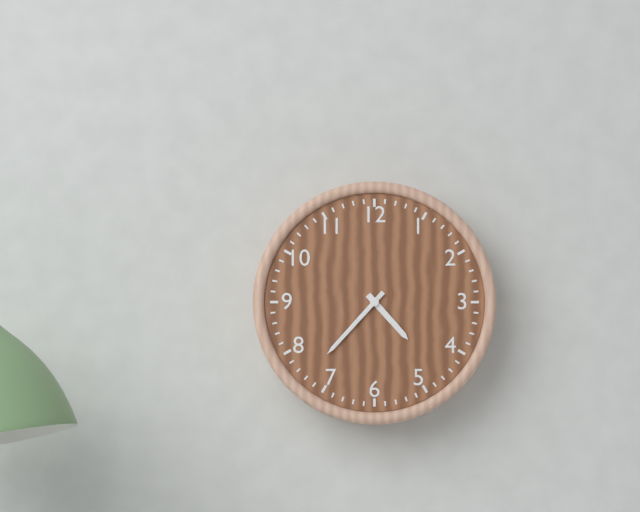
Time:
**4:37**
